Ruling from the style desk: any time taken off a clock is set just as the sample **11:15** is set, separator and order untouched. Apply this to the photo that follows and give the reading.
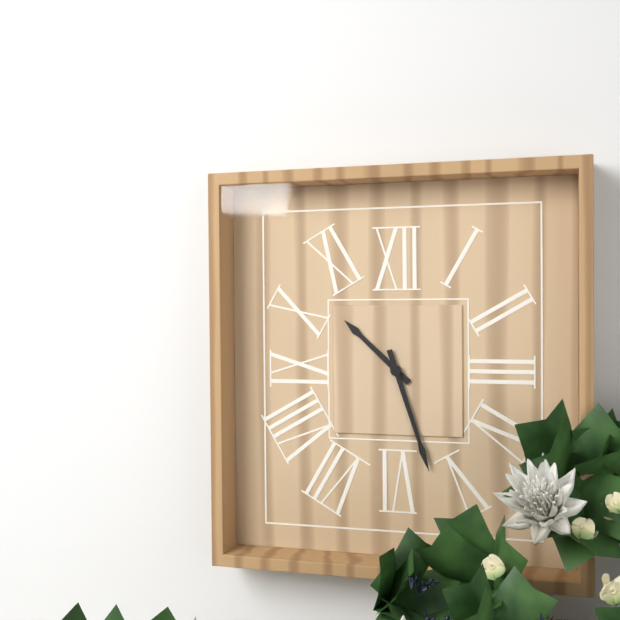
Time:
**10:27**
